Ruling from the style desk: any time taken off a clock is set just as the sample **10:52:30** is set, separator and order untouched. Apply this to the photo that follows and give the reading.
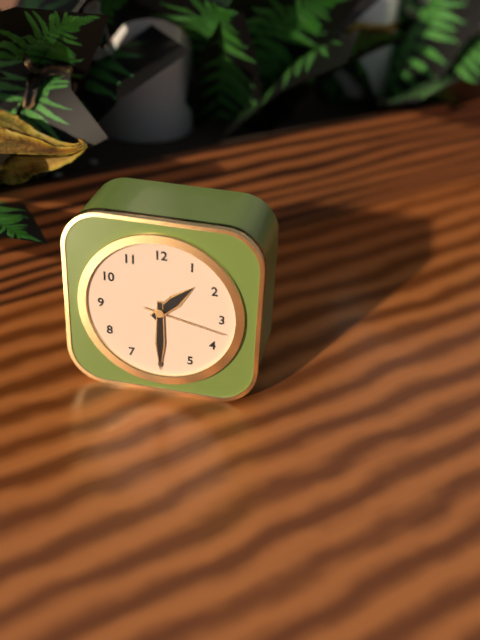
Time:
**1:30:17**
